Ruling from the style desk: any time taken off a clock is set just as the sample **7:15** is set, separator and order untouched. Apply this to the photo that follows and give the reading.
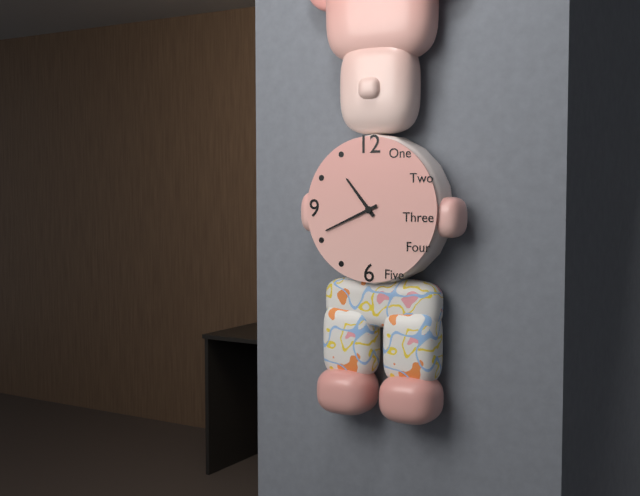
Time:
**10:41**
